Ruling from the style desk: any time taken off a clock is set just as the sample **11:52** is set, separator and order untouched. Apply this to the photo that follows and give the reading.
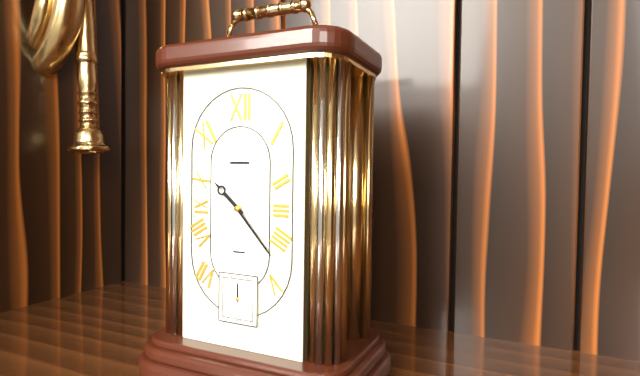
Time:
**10:23**
